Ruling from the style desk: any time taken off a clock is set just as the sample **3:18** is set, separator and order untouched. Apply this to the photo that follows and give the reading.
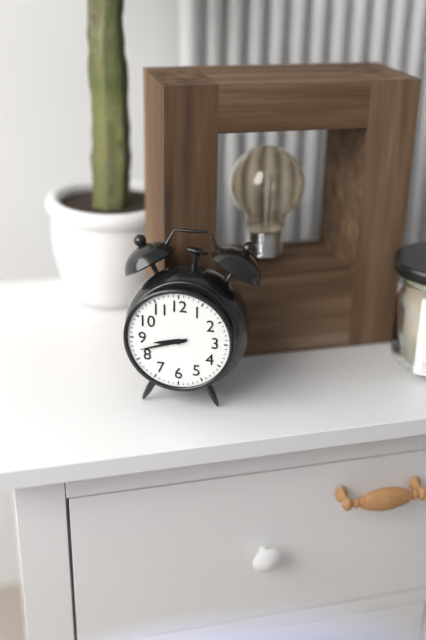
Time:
**8:42**
